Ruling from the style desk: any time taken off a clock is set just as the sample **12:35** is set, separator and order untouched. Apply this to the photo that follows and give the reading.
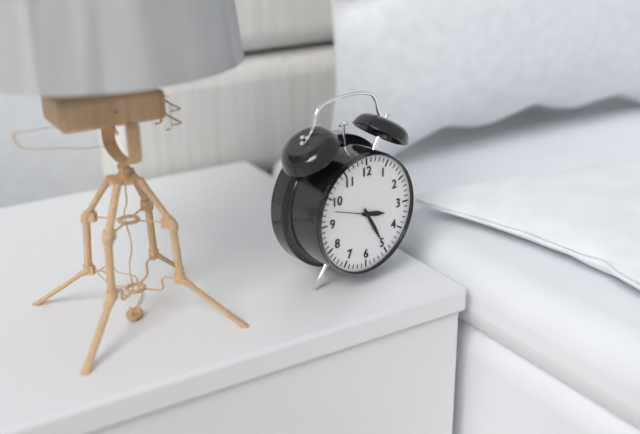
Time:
**3:25**
